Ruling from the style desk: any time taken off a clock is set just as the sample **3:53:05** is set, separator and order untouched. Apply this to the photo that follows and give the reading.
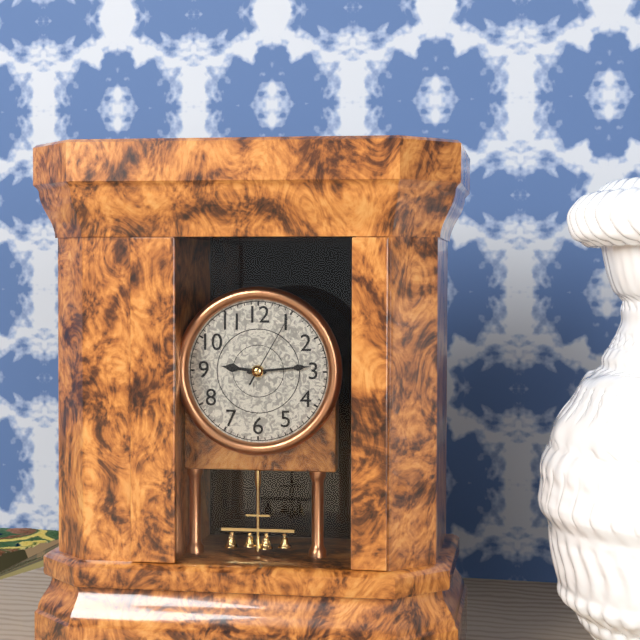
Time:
**9:14:05**
